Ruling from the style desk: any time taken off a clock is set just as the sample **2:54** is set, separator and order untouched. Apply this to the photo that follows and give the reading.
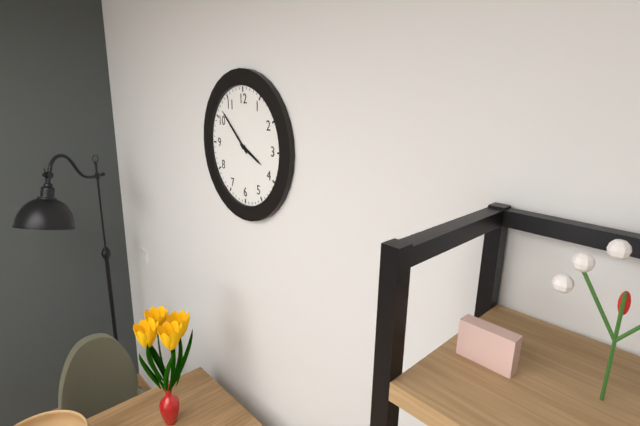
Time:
**3:52**
